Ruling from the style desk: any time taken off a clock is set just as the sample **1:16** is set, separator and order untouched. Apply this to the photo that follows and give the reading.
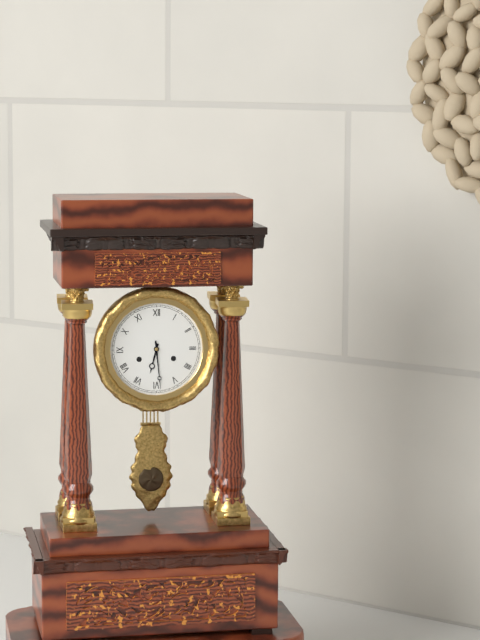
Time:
**6:29**
